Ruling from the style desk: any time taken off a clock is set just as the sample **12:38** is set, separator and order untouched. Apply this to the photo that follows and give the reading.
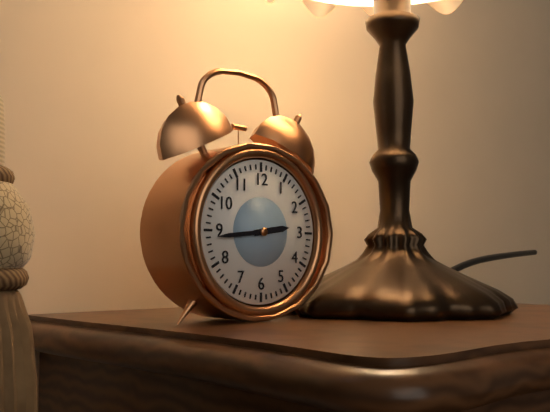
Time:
**2:44**
